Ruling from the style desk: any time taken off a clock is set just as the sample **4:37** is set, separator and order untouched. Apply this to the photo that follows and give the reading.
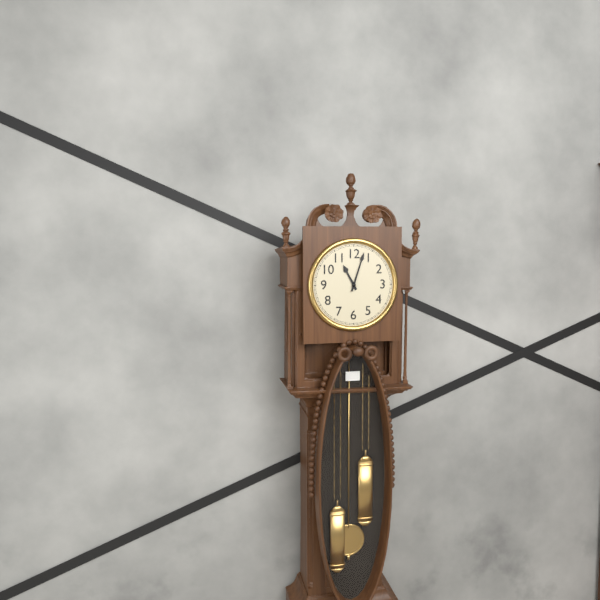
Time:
**11:03**
